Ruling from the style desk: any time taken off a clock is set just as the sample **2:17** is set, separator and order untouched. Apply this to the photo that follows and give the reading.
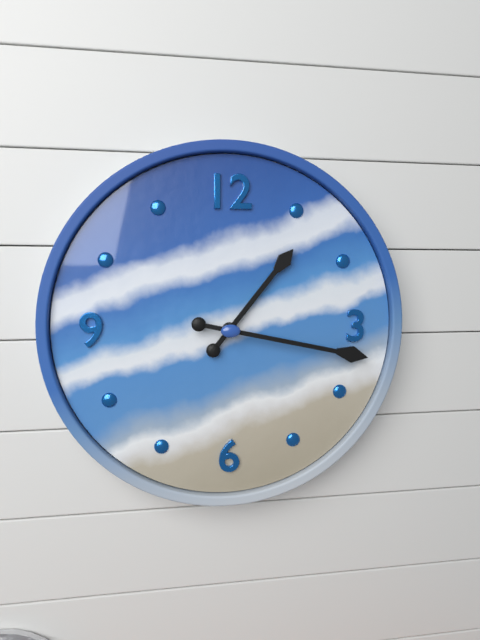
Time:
**1:17**
